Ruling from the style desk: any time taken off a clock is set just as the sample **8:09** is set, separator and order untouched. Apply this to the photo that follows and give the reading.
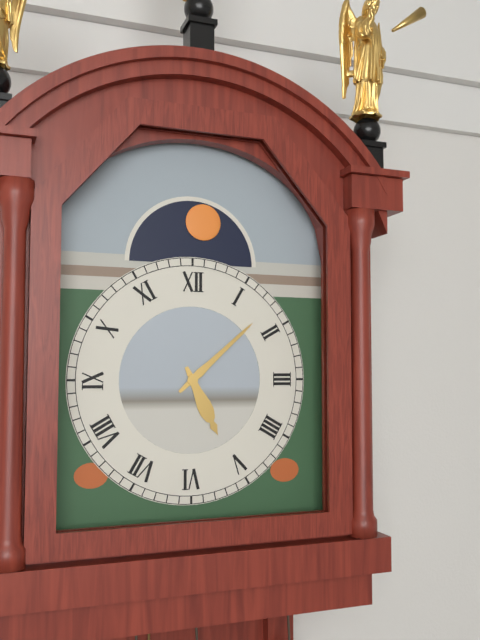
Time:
**5:08**
